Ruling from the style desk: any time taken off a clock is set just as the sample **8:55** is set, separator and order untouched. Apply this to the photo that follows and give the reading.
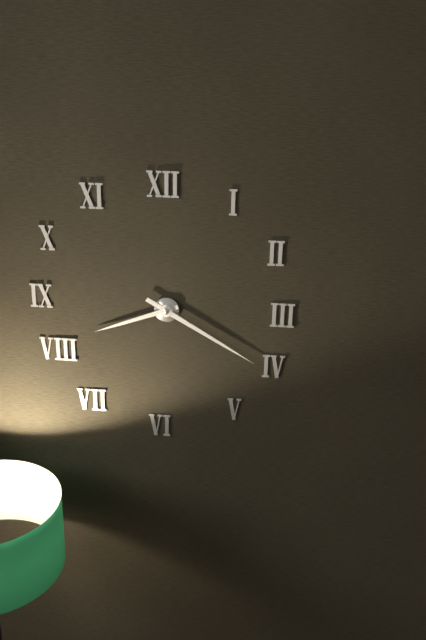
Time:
**8:20**
